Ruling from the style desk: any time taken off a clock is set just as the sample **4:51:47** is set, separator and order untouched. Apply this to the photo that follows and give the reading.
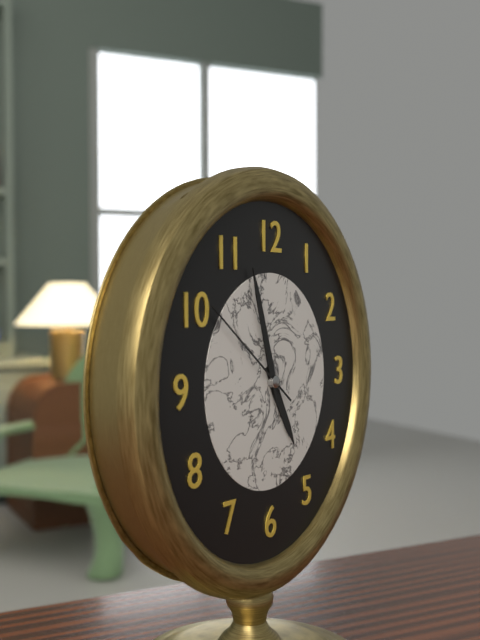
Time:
**4:57:51**
